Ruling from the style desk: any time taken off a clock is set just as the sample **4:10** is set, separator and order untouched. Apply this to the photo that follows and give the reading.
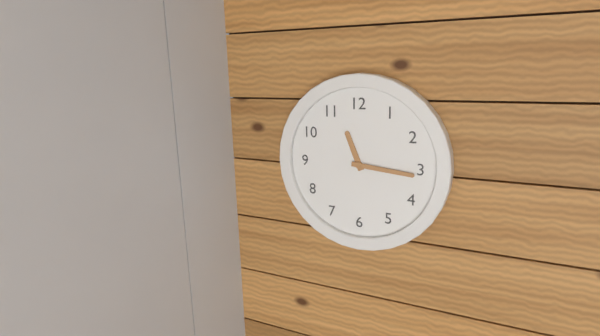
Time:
**11:16**
